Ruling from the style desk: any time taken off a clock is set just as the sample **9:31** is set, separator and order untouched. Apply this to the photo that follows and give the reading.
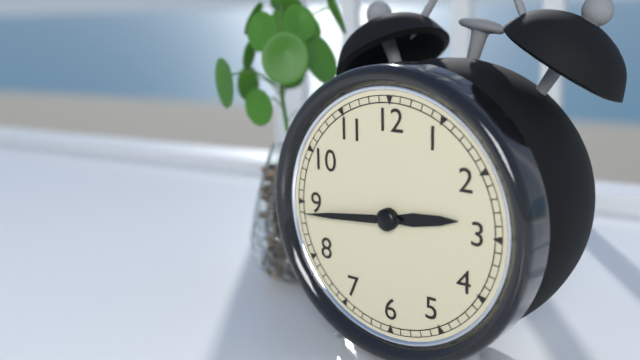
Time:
**2:44**
